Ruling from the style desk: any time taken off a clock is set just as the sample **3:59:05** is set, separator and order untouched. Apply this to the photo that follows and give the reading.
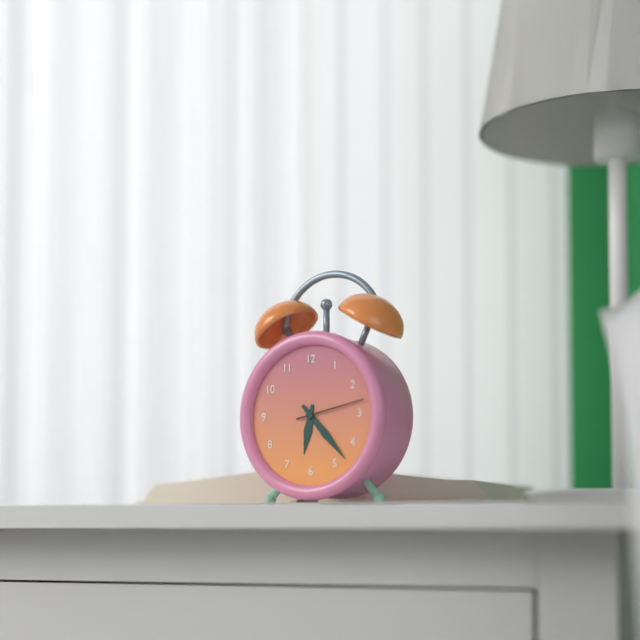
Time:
**6:23:13**
